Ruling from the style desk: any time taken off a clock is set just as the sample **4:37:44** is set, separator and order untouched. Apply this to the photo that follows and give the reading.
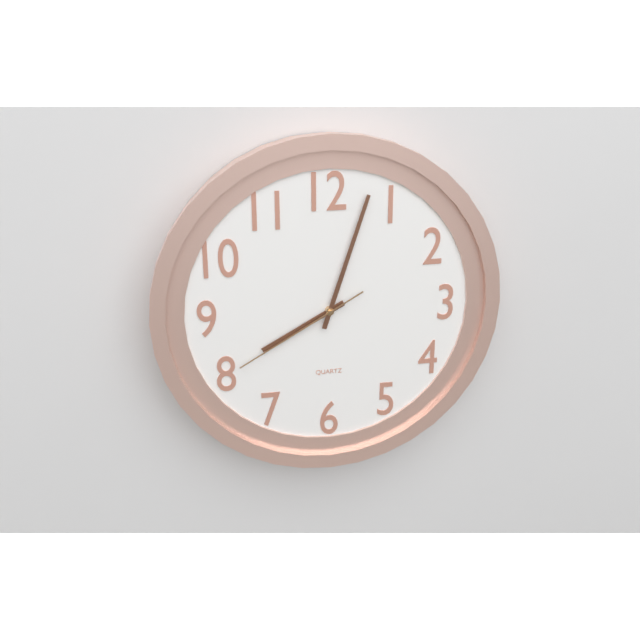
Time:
**8:03:40**
